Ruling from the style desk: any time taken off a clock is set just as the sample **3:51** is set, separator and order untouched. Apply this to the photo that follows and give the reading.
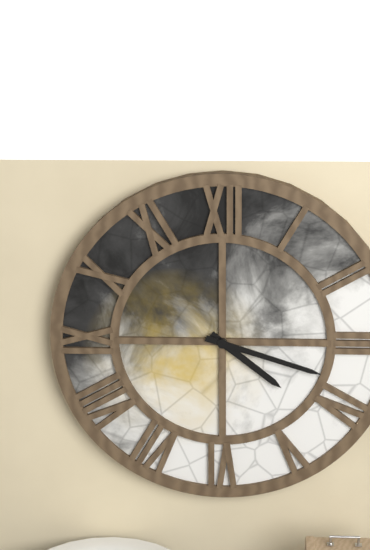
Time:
**4:18**
